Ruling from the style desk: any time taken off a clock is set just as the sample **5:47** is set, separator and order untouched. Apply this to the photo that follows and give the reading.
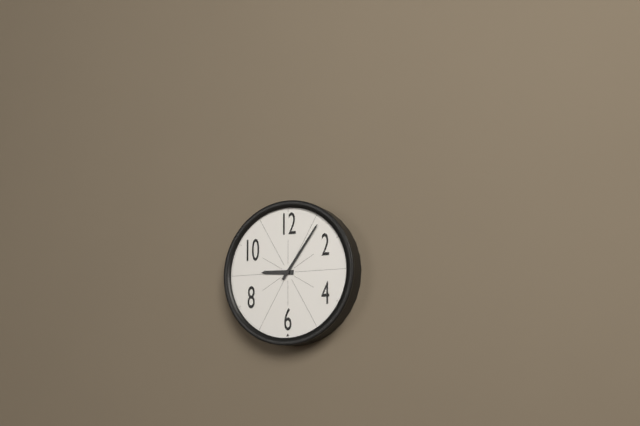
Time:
**9:06**
